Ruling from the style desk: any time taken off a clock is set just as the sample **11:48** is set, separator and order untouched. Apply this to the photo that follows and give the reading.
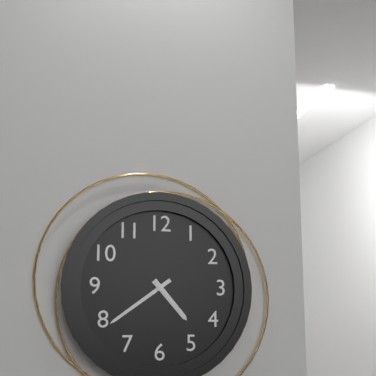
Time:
**4:39**
